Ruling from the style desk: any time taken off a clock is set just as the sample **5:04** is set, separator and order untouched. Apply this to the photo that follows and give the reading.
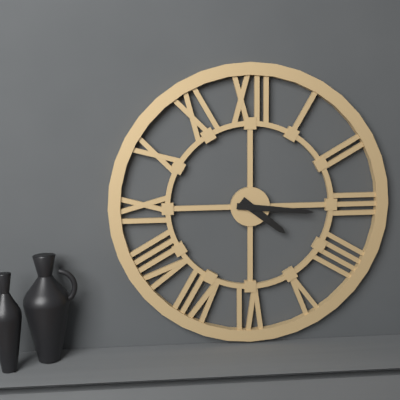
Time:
**4:16**
